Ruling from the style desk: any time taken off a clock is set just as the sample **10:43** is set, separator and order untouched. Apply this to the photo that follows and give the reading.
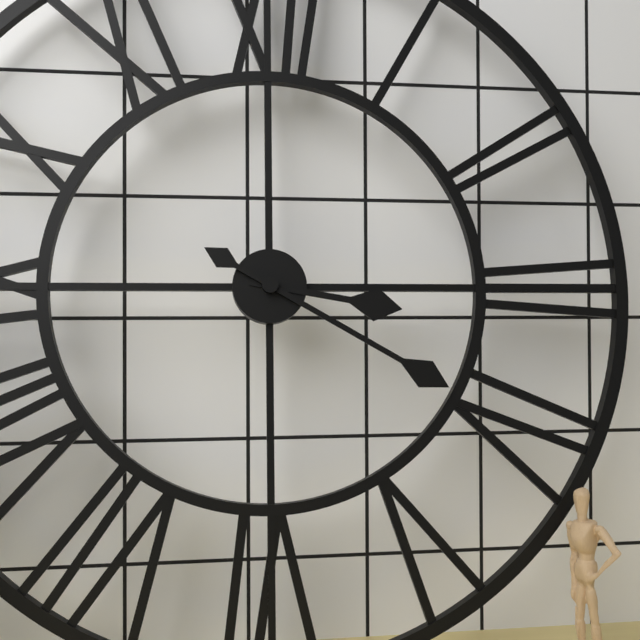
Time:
**3:20**
